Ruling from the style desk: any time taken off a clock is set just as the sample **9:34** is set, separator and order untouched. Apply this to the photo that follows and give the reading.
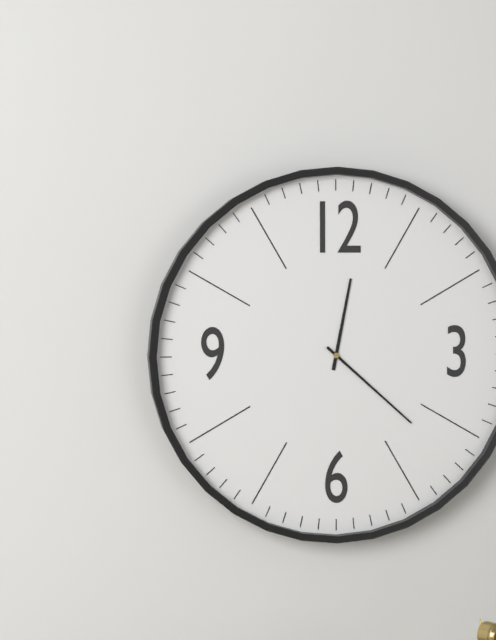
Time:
**12:22**
